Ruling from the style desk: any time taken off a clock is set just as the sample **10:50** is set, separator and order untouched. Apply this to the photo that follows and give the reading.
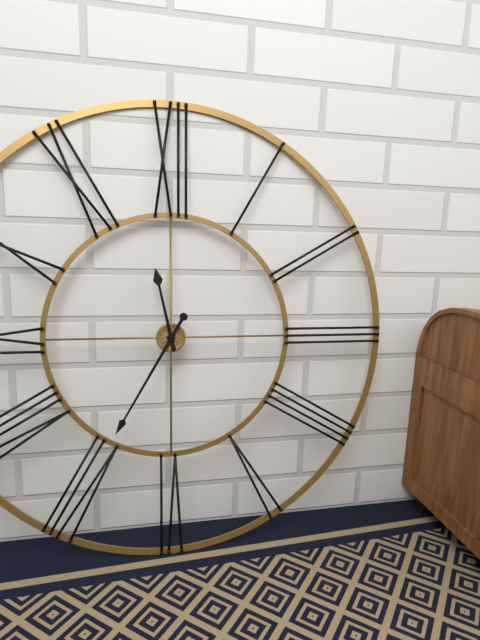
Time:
**11:35**
